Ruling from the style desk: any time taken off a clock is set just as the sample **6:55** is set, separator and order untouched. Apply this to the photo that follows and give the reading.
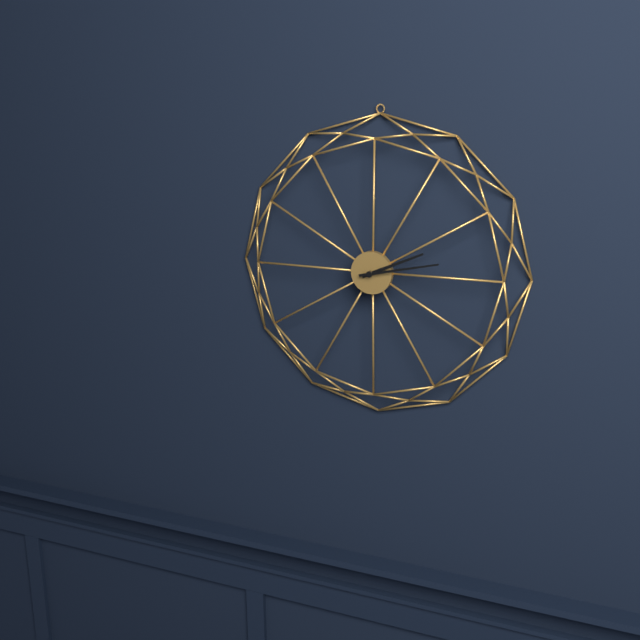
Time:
**2:13**
